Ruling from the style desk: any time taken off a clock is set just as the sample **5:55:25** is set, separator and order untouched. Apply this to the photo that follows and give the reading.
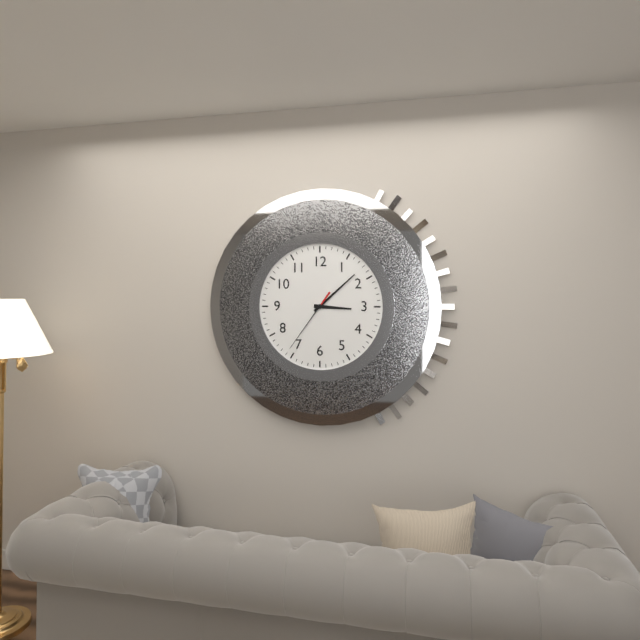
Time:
**3:08:36**
